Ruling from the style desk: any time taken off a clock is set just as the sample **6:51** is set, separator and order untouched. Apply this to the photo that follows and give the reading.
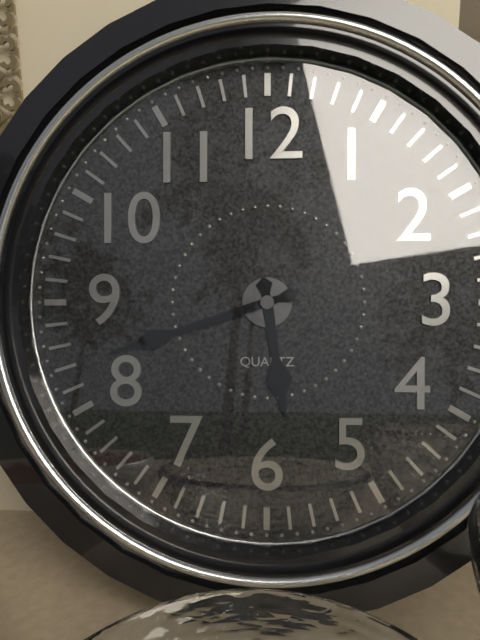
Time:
**5:42**
